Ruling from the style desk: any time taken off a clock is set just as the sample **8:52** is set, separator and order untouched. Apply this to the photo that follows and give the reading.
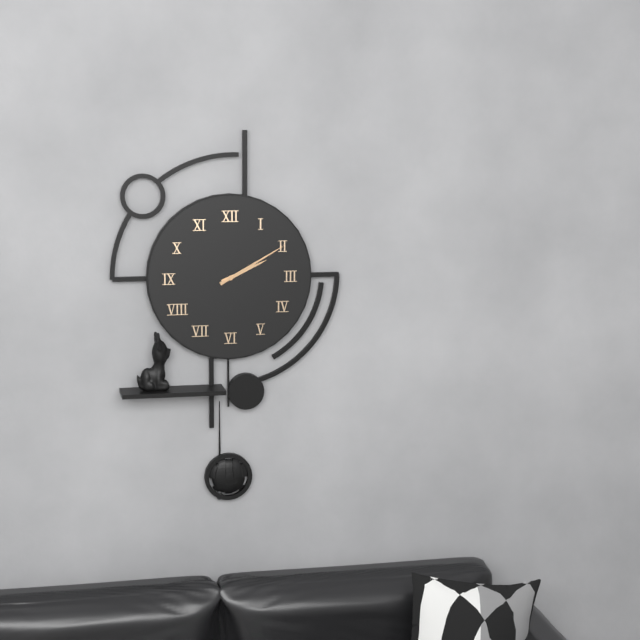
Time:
**2:10**
